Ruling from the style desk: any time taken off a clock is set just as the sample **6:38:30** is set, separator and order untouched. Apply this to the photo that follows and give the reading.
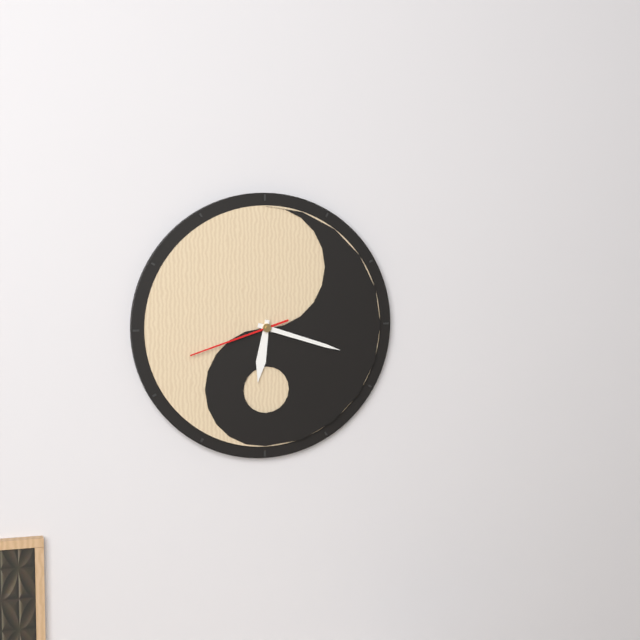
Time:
**6:18:42**
